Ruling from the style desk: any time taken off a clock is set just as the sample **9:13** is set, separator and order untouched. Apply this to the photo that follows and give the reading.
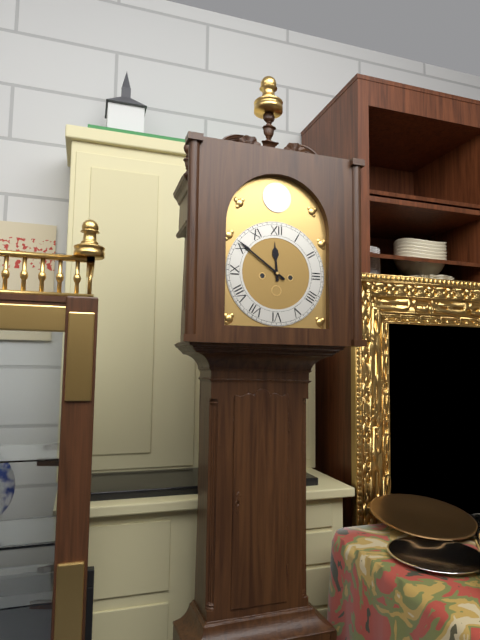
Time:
**11:51**
